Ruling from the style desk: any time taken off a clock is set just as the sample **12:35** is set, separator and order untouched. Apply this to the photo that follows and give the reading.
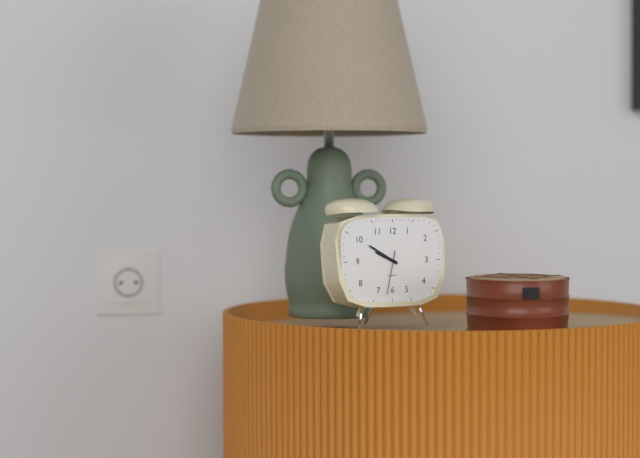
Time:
**9:50**
